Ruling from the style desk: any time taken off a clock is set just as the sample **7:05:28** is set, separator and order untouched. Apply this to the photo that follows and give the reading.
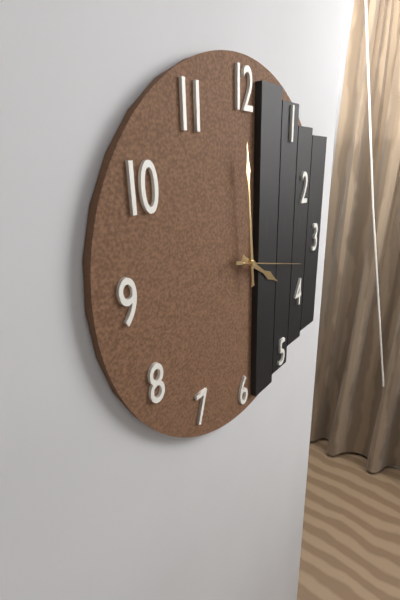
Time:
**3:59:17**
